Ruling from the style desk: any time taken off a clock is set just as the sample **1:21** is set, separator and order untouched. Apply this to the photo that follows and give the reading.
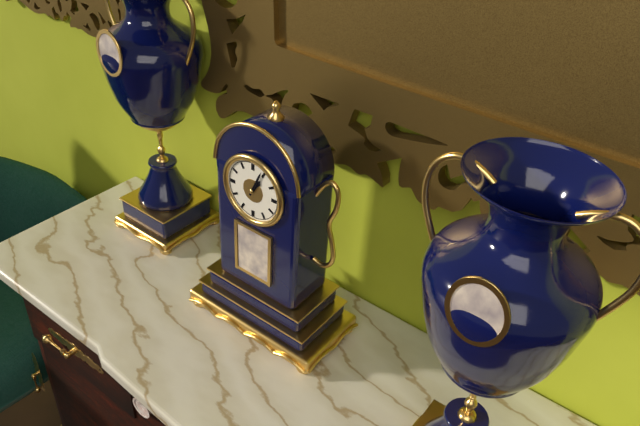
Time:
**1:04**
